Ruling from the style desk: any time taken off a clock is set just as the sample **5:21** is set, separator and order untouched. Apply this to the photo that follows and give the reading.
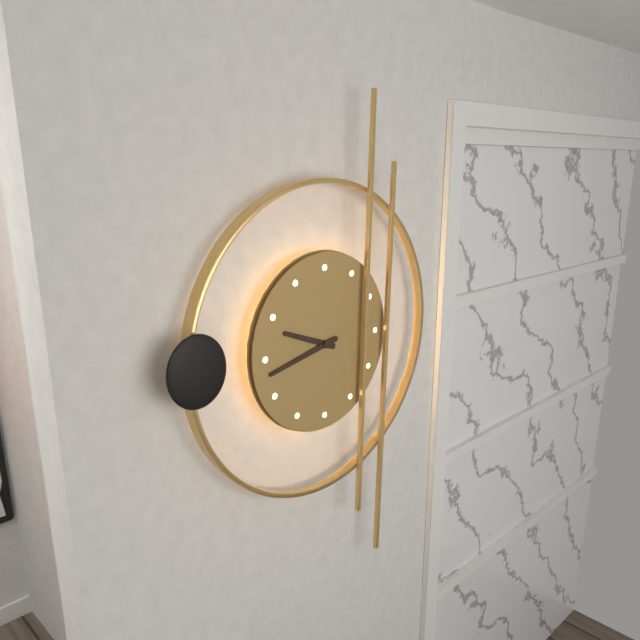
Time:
**9:43**
